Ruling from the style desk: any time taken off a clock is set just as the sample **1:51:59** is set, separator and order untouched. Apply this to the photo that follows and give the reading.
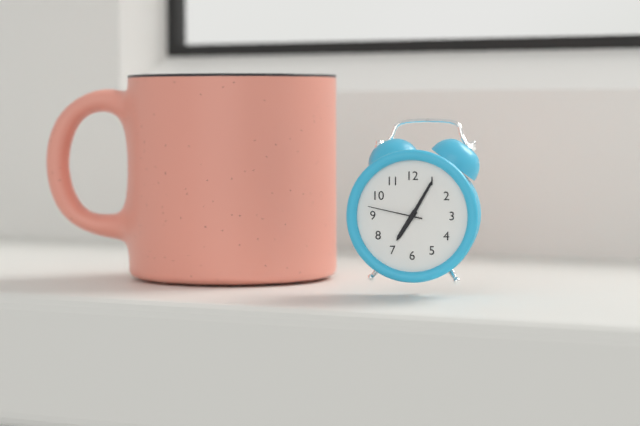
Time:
**7:05:47**
